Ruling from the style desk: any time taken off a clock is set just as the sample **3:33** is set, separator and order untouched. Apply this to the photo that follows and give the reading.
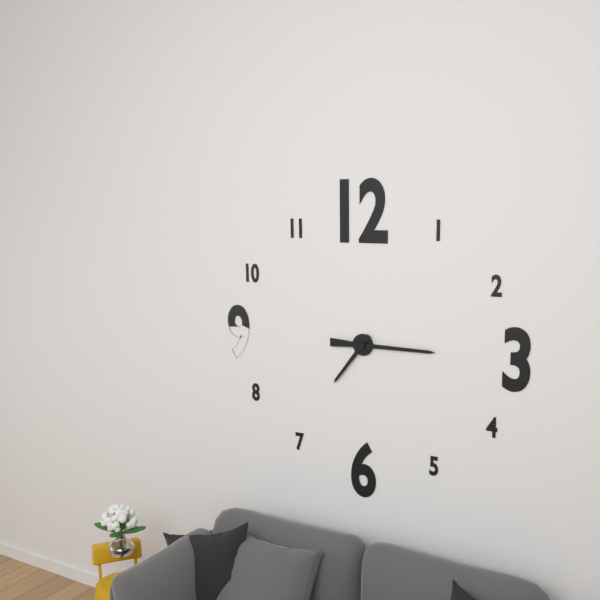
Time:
**7:15**
